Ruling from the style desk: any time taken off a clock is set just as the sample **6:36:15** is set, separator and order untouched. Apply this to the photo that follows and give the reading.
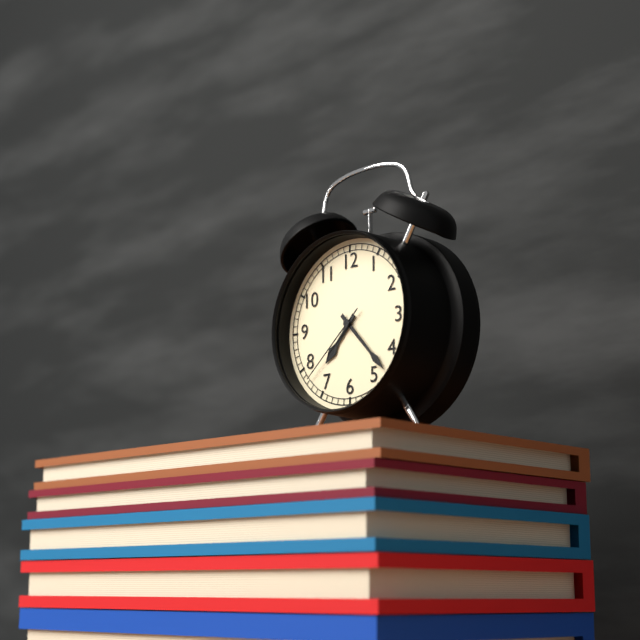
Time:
**7:23:38**
